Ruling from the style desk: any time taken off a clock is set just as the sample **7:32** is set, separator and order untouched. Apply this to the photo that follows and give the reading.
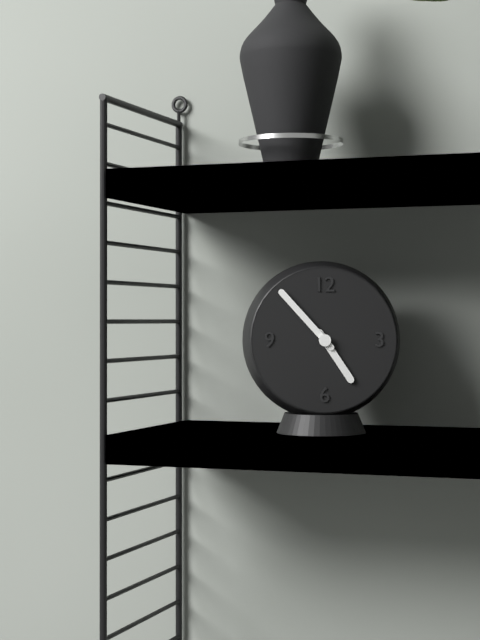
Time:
**4:53**
